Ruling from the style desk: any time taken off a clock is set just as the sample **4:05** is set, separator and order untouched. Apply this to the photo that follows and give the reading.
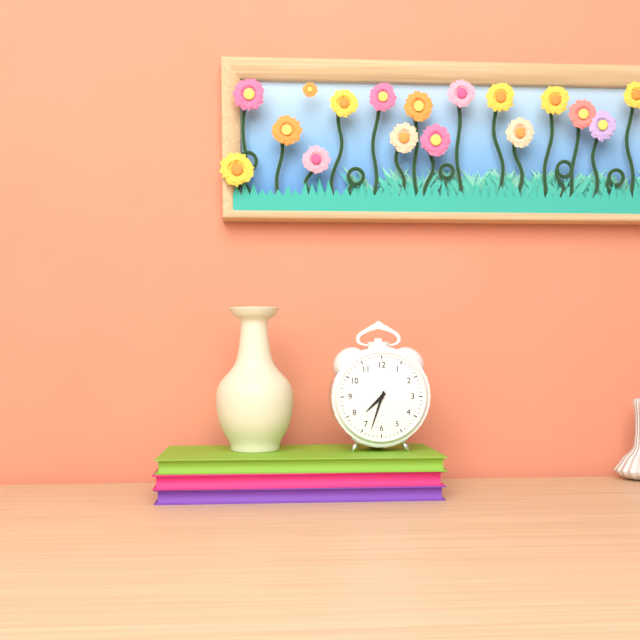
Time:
**7:33**
